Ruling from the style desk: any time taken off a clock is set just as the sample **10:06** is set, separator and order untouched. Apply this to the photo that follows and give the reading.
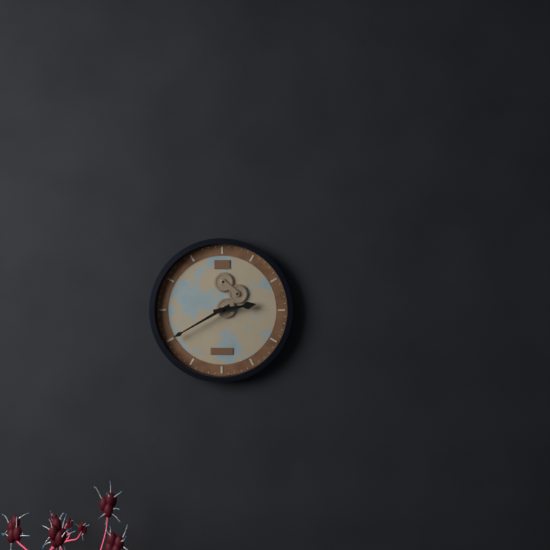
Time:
**2:40**
